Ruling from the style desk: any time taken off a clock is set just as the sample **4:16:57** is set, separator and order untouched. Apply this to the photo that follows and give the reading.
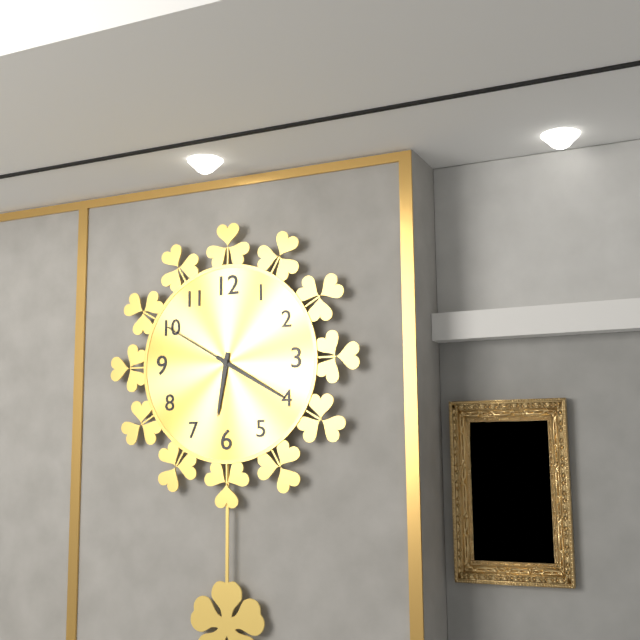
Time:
**6:20:50**
